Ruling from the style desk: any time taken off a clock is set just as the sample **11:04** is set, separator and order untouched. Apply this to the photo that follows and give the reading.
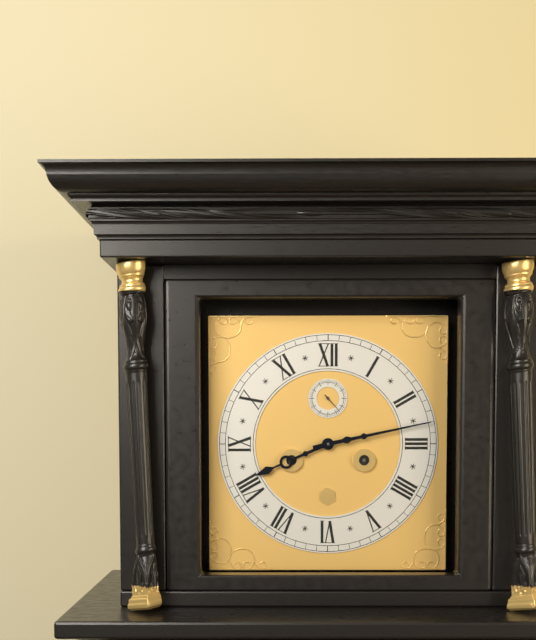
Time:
**8:13**
